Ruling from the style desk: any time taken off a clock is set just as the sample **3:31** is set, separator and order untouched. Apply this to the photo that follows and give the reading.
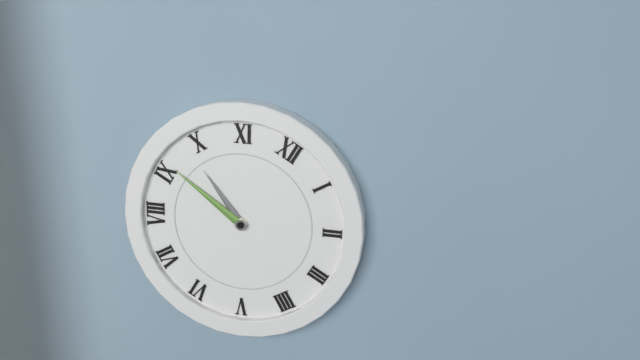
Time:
**9:46**
